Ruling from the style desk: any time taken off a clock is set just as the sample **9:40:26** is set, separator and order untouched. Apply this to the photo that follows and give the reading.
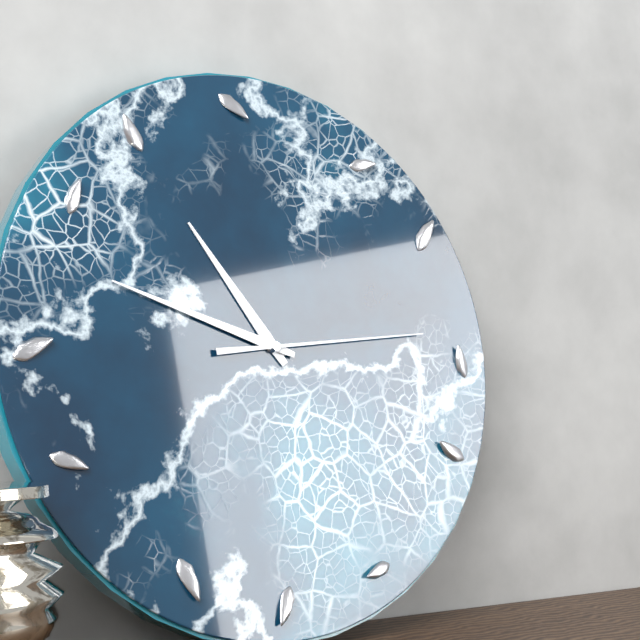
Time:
**10:48:14**
